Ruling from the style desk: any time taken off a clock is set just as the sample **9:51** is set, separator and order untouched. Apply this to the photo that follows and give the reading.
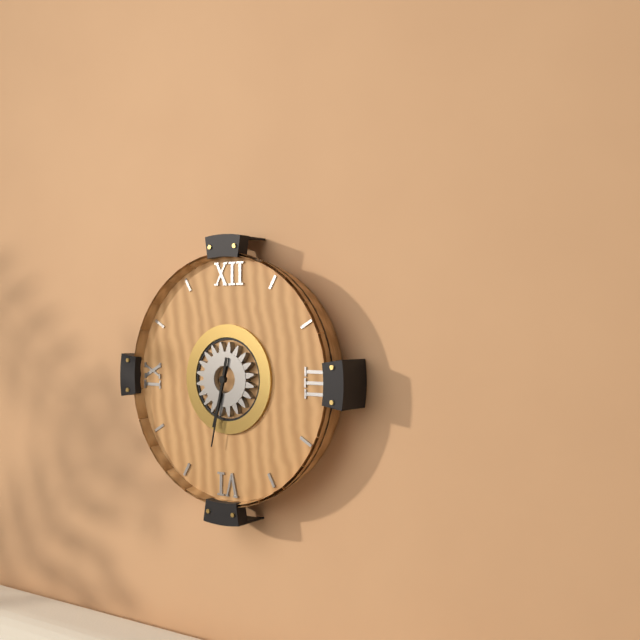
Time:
**6:32**
